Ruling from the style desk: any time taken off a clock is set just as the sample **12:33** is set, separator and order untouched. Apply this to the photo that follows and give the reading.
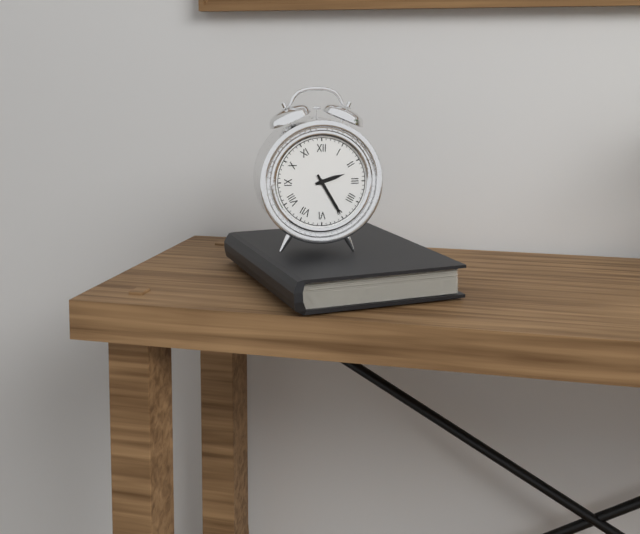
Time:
**2:25**
